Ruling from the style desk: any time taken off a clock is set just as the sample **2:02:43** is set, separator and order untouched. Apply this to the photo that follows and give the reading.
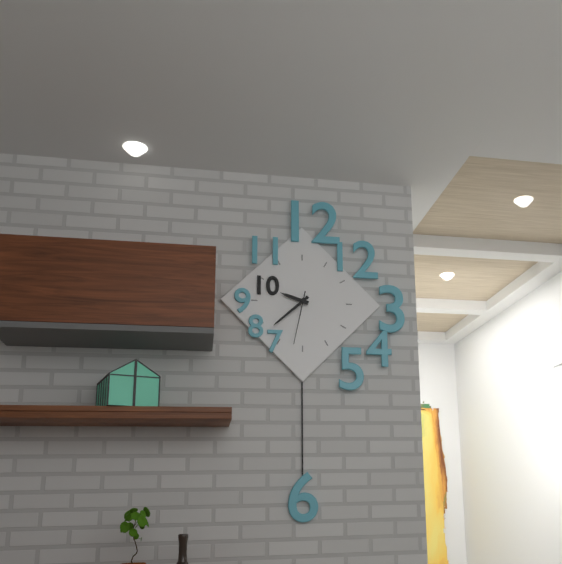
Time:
**9:38:32**
